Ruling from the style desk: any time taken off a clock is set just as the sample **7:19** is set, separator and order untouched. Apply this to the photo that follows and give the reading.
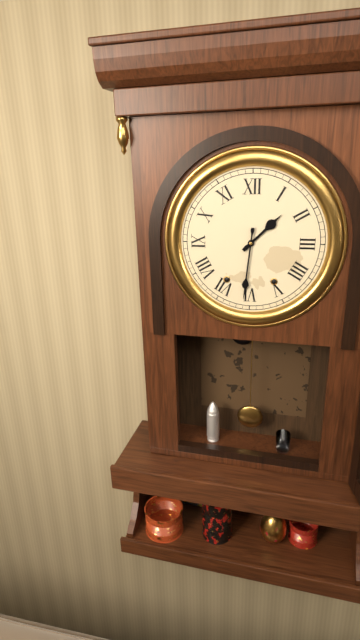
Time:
**1:31**
